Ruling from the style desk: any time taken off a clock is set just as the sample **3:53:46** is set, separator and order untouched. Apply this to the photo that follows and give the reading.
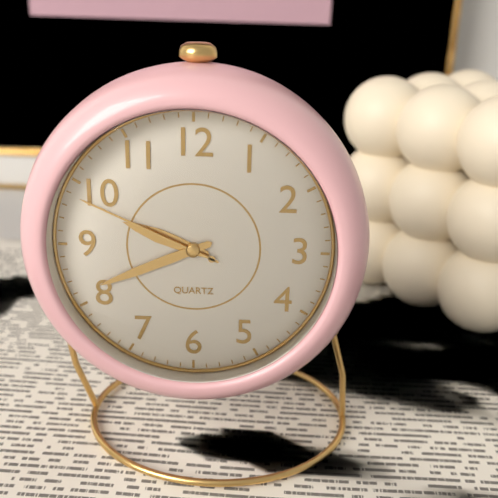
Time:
**9:41:49**
